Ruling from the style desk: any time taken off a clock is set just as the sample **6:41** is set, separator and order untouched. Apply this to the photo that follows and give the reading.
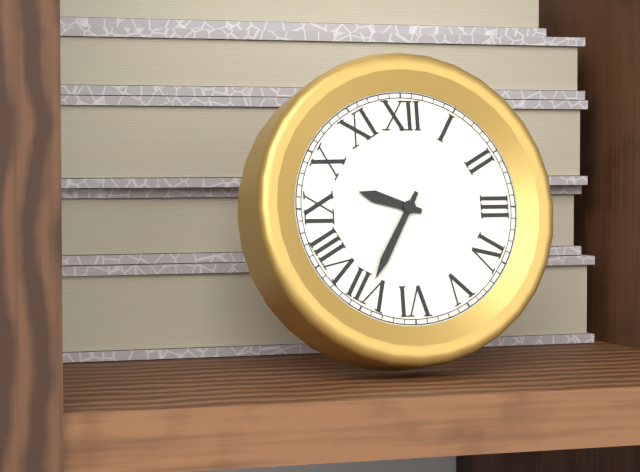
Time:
**9:35**
